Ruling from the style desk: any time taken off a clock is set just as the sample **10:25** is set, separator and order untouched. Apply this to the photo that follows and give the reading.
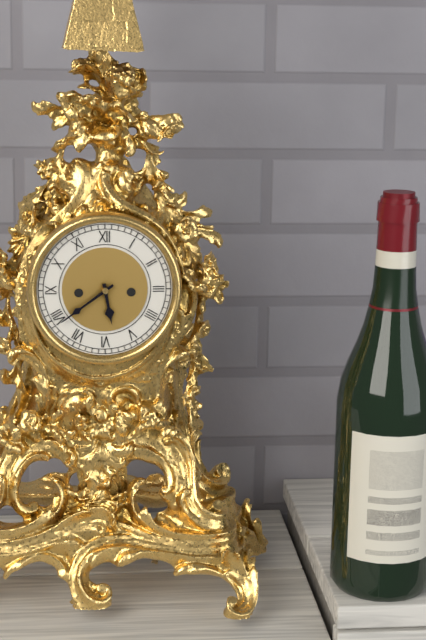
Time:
**5:39**
